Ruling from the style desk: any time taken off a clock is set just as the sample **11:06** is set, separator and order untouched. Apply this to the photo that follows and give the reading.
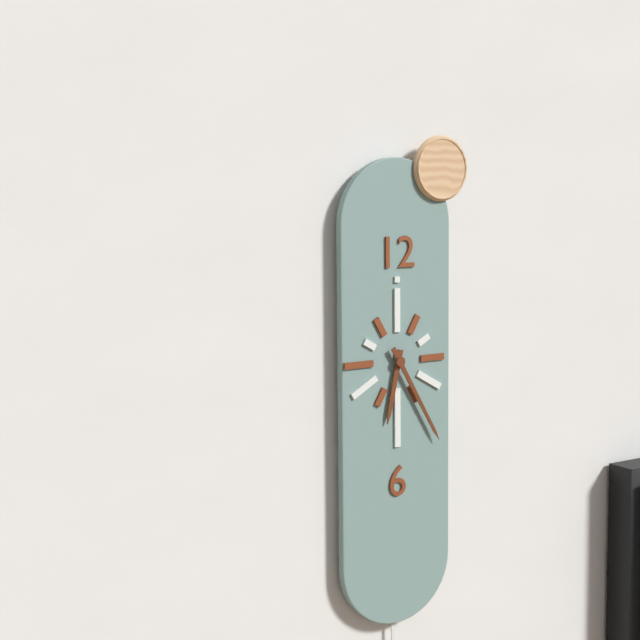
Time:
**6:25**
